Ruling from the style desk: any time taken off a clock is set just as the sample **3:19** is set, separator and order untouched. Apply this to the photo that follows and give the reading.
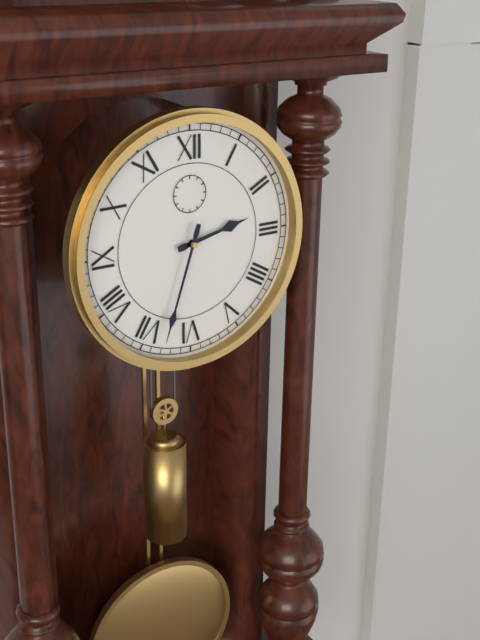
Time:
**2:33**
